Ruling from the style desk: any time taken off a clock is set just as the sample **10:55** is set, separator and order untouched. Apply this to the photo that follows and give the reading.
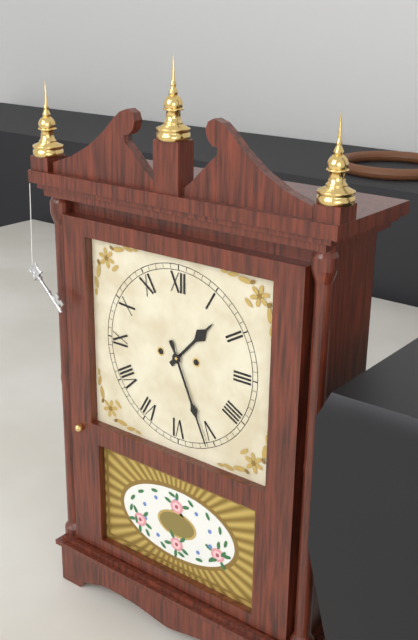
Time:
**1:26**
